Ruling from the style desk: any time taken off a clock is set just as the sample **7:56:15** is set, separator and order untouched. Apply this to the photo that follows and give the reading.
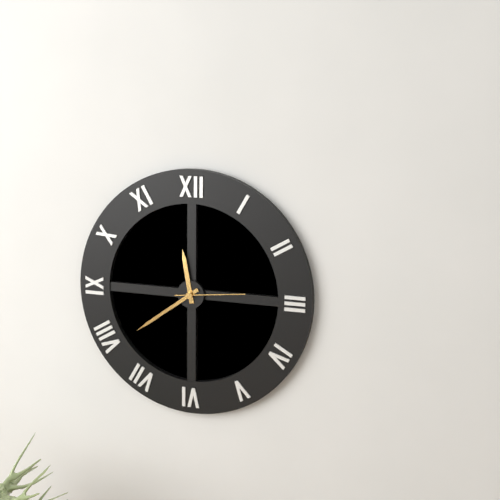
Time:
**11:39:14**
